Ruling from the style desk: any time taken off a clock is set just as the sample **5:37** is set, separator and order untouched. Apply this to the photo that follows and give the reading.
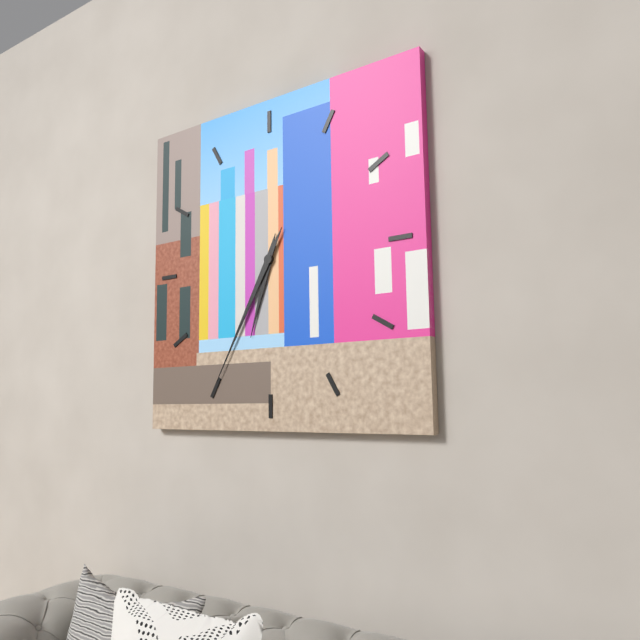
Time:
**6:35**
